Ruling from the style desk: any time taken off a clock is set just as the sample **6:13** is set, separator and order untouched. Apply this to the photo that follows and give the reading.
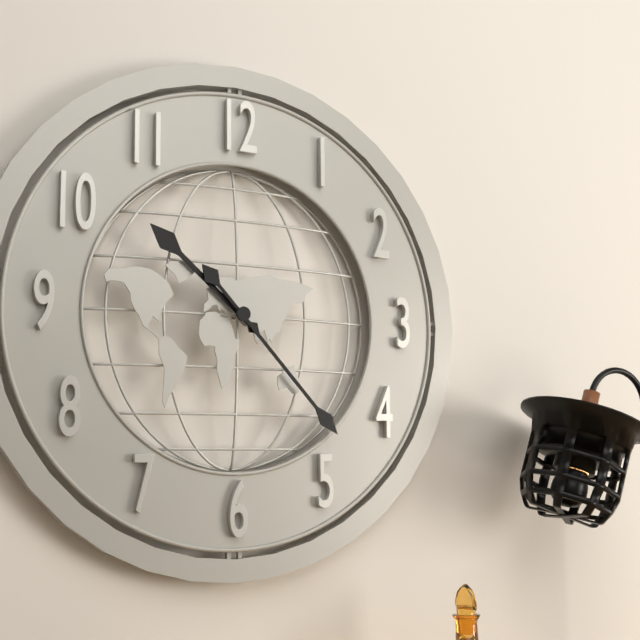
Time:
**10:23**
